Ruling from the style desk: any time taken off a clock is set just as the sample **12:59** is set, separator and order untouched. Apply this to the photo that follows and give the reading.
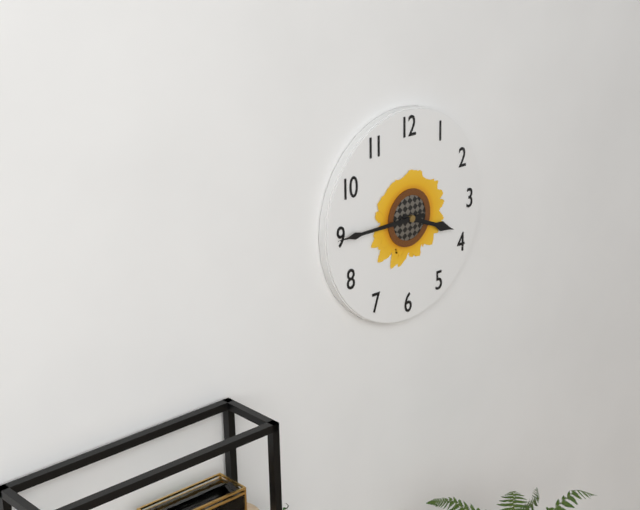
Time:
**3:45**
